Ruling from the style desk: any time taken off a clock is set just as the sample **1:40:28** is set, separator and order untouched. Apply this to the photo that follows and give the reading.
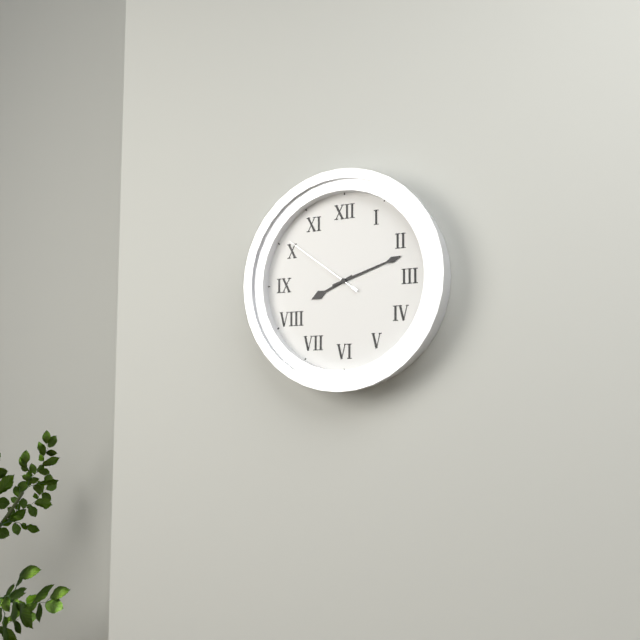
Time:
**8:12:51**
